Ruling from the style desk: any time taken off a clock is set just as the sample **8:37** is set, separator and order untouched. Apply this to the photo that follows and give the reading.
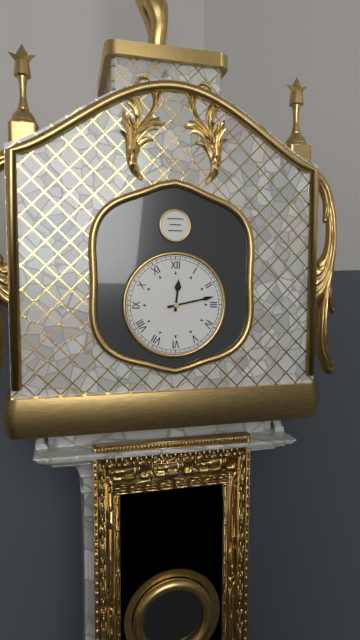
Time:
**12:13**
